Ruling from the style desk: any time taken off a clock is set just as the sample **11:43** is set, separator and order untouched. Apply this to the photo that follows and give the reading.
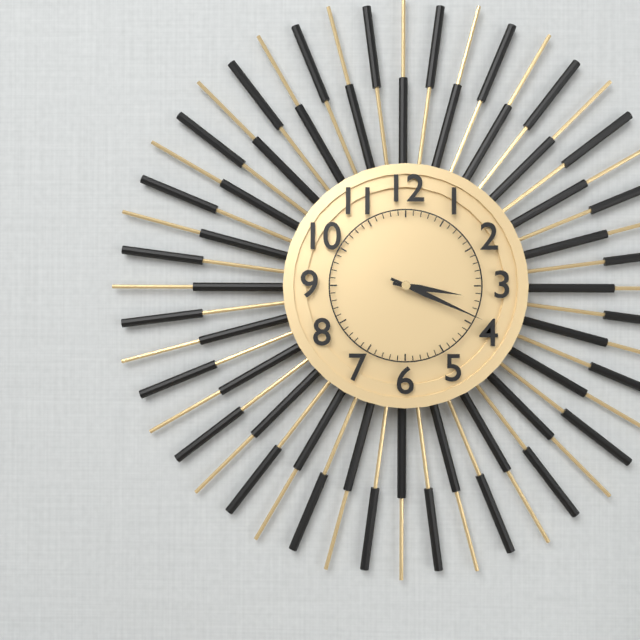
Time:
**3:19**
